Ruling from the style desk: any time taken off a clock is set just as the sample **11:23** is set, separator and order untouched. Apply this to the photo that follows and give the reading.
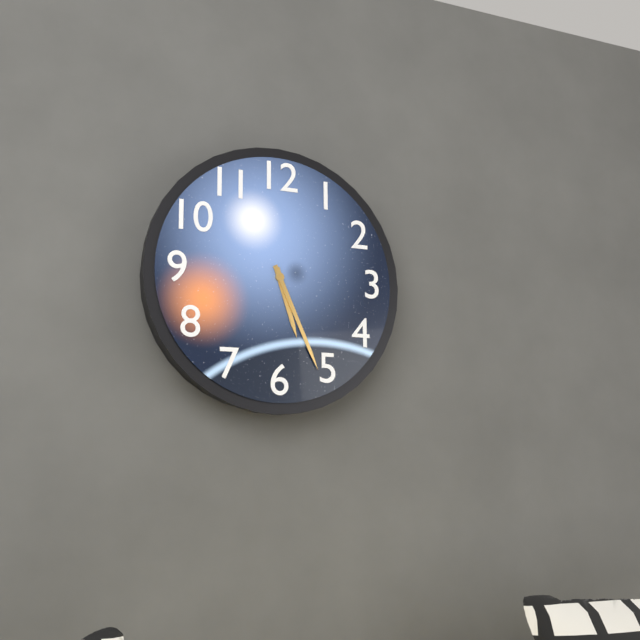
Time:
**5:26**
